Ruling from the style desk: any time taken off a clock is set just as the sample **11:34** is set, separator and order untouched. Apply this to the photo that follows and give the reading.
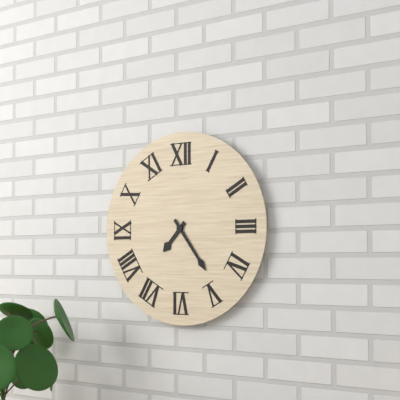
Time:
**7:24**
